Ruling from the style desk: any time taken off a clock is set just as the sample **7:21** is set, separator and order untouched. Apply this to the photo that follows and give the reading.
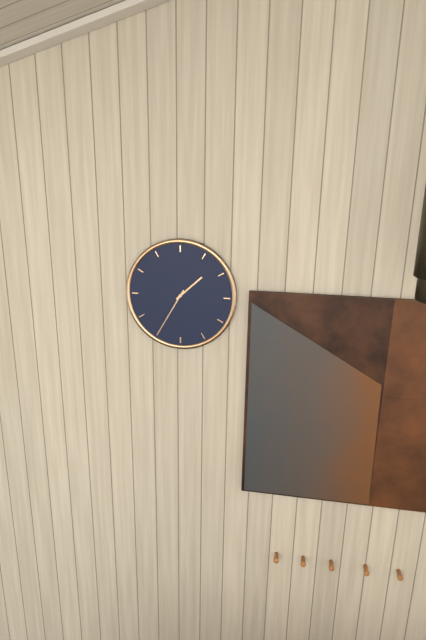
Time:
**1:35**
